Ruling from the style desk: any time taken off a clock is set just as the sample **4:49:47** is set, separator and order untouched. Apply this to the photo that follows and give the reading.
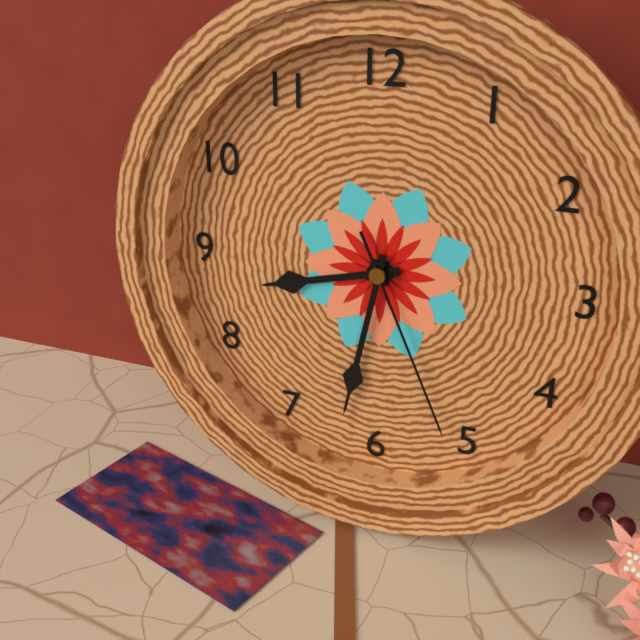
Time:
**8:32:26**
